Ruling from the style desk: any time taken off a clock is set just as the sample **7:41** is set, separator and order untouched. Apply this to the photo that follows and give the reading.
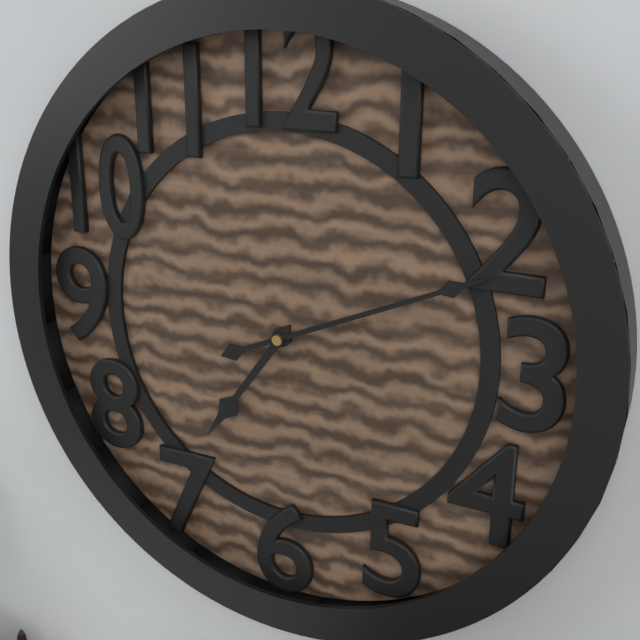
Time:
**7:11**
